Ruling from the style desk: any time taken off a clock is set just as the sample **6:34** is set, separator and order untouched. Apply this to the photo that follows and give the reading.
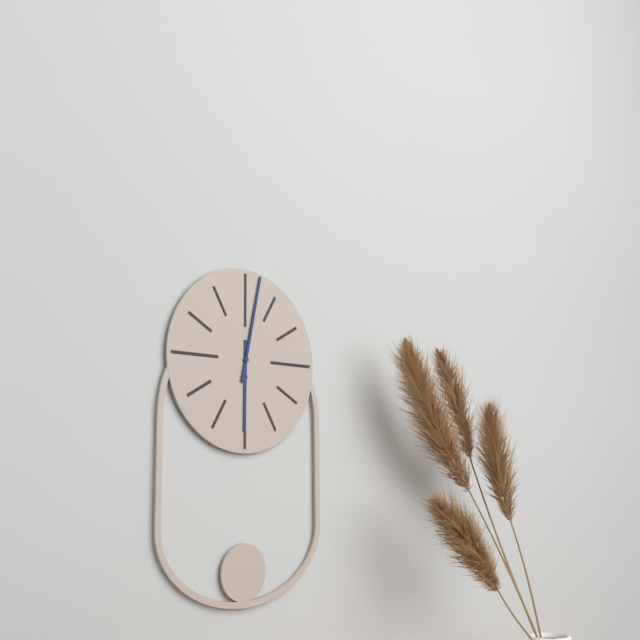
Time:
**6:02**
